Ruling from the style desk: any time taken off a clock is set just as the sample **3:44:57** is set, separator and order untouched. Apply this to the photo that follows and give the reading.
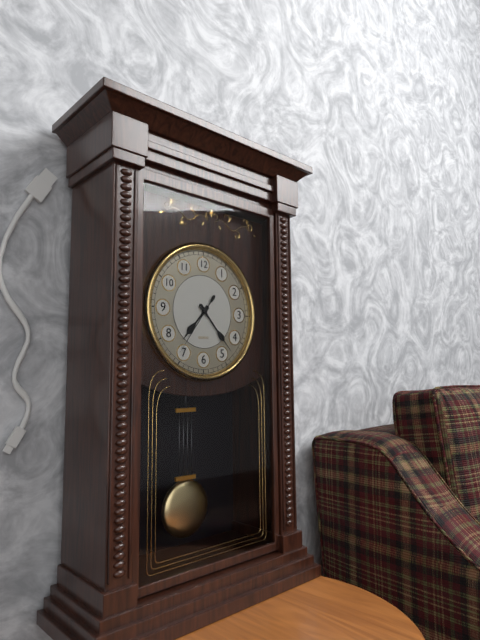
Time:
**7:23:36**
